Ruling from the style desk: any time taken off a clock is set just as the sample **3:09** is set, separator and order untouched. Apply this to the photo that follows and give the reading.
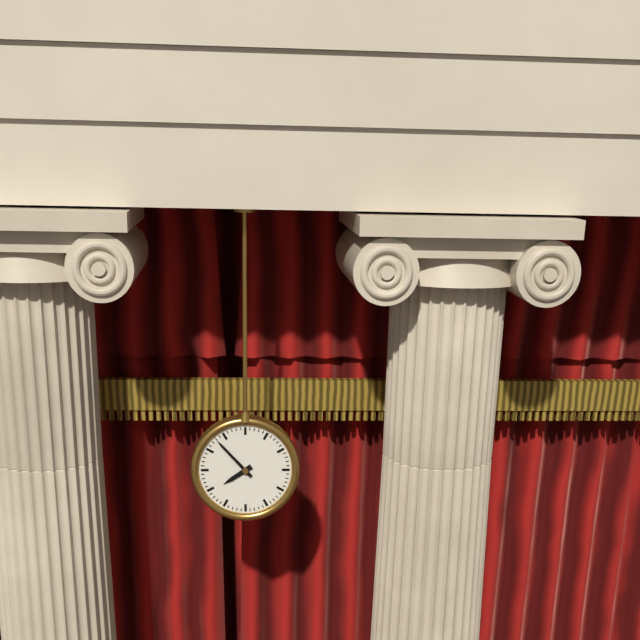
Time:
**7:53**
